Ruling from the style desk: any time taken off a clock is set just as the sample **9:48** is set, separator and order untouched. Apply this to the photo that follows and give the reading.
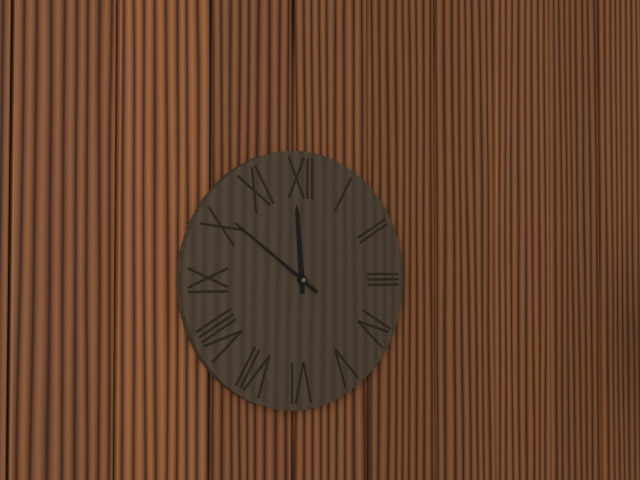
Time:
**11:51**
